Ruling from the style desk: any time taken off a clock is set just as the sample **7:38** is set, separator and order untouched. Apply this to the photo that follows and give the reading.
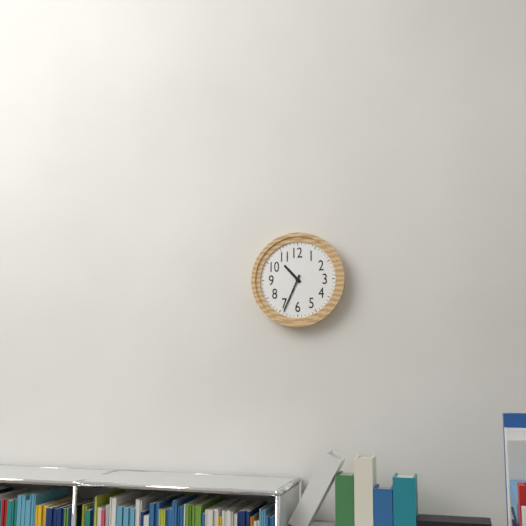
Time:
**10:34**
